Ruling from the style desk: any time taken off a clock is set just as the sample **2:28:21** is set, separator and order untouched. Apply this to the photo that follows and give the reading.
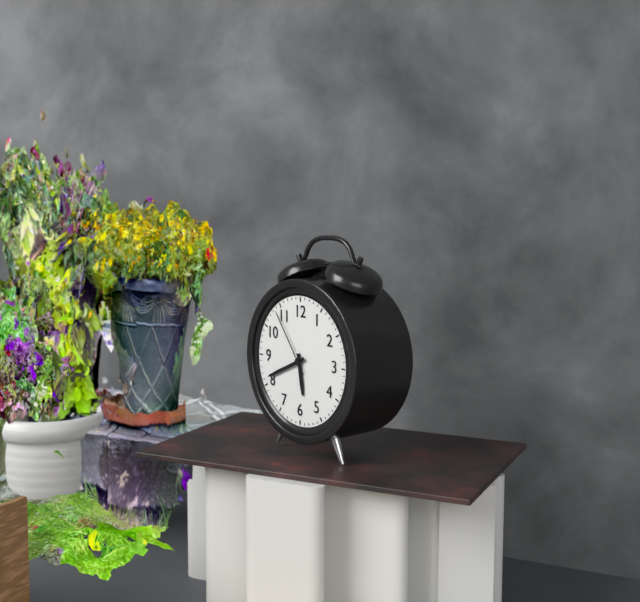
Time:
**5:41:54**
